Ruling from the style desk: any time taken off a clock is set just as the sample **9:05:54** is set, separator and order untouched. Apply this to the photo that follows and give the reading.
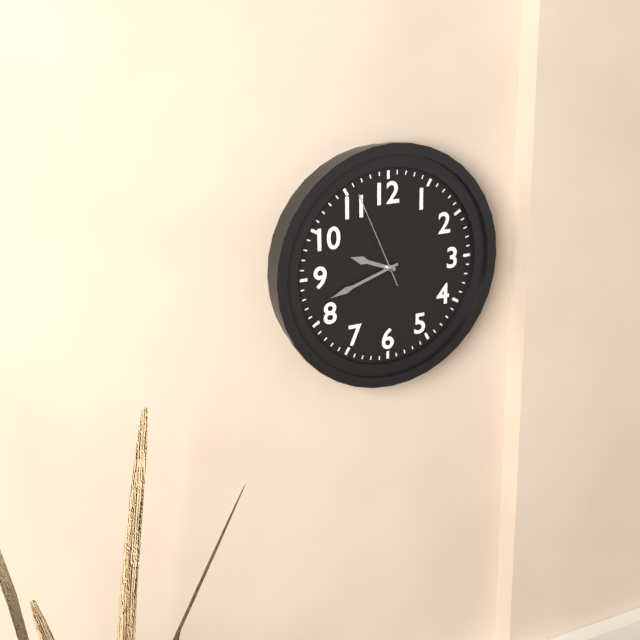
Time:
**9:42:56**
